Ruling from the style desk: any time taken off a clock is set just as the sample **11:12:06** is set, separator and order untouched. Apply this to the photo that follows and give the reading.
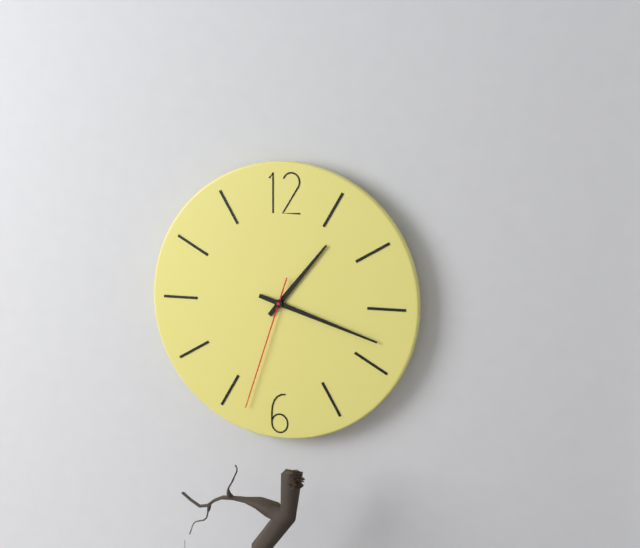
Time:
**1:18:33**
